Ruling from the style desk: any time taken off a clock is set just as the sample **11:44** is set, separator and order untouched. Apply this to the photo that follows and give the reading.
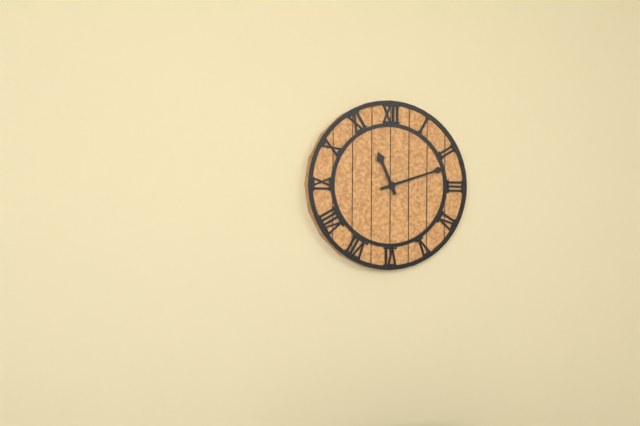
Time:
**11:12**
